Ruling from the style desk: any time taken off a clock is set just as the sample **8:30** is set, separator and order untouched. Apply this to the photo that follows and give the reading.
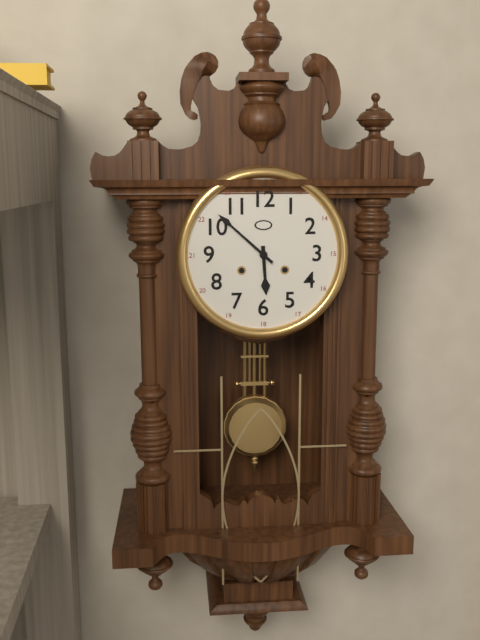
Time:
**5:52**
